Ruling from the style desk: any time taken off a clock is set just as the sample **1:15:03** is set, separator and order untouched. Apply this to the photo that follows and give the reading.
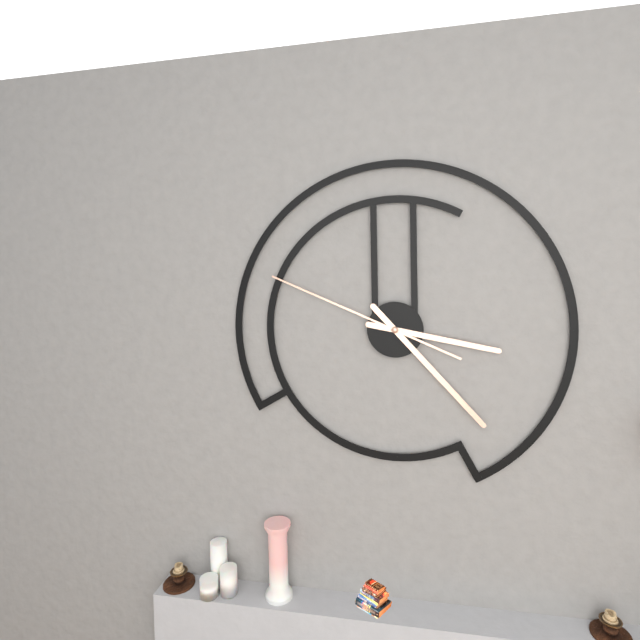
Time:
**3:23:49**
